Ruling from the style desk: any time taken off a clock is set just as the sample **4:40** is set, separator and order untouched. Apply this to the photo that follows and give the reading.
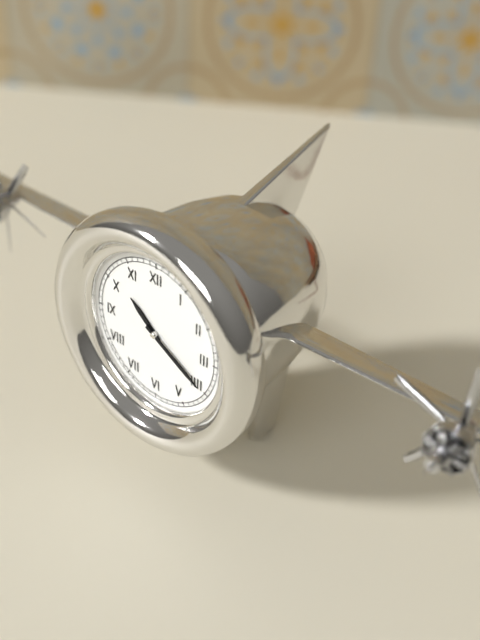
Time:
**10:20**
